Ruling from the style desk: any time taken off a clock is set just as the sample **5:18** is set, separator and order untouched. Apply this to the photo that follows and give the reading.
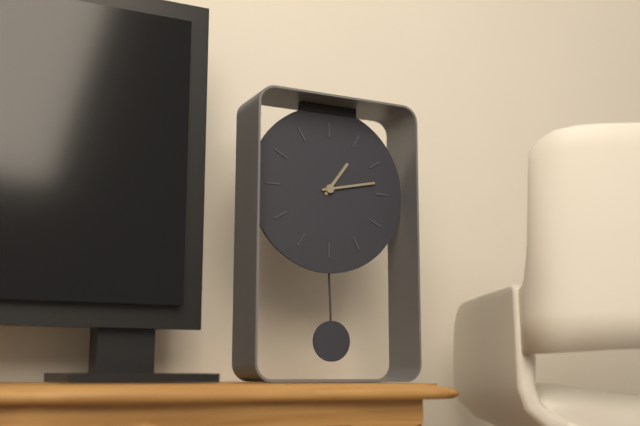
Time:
**1:13**
